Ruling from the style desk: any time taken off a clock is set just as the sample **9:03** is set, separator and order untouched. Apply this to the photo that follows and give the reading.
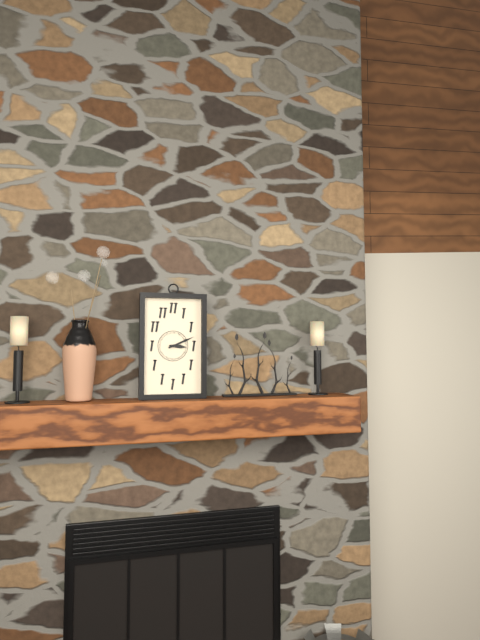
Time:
**3:11**
